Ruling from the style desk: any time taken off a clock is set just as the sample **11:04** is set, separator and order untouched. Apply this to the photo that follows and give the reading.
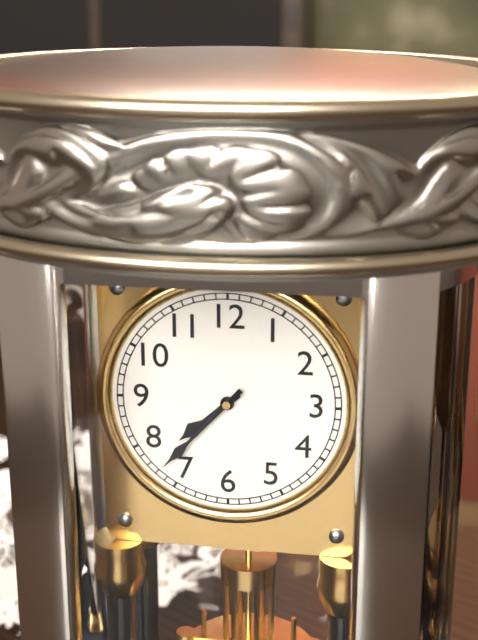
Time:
**7:37**
